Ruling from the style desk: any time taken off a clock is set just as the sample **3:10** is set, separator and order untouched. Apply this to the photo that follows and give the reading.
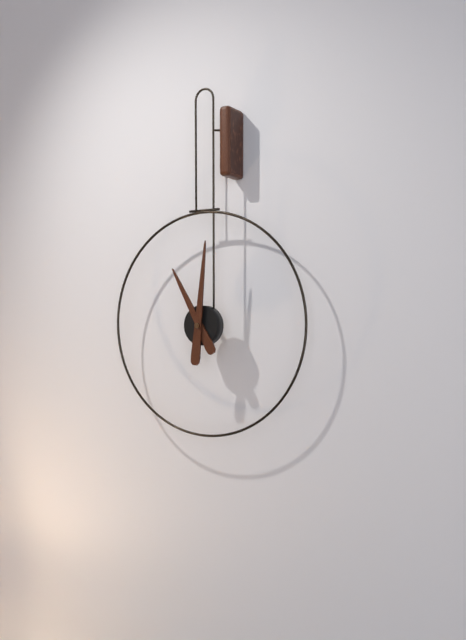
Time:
**11:01**
